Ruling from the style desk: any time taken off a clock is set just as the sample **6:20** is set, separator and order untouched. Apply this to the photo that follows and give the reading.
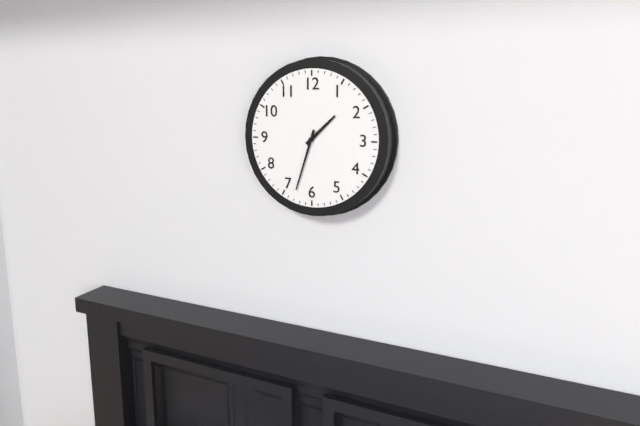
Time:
**1:33**
